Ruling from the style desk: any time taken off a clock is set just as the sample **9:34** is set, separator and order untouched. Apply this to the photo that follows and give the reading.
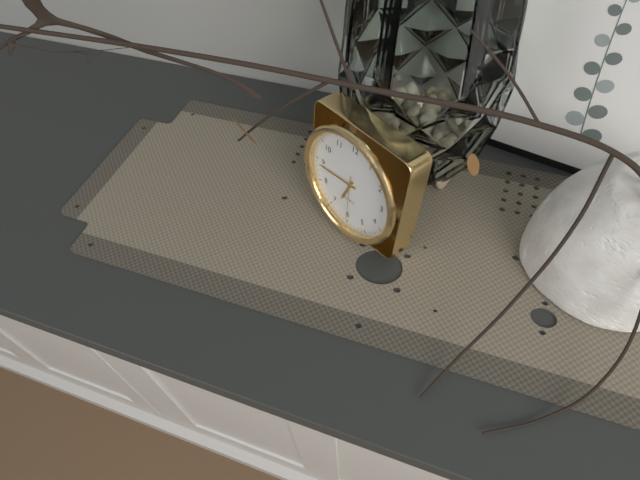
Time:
**6:44**
